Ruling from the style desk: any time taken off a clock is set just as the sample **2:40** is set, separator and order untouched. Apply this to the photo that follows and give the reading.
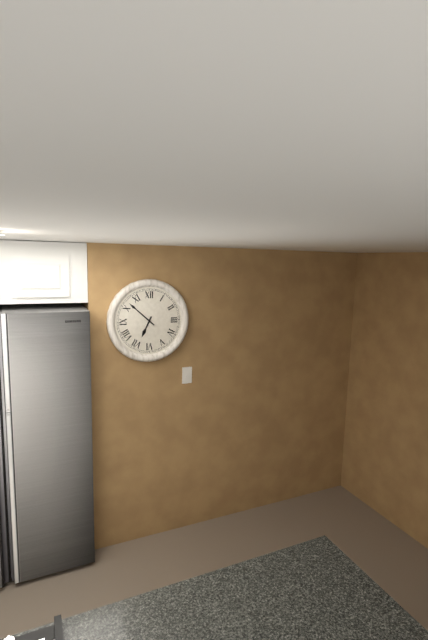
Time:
**6:52**
